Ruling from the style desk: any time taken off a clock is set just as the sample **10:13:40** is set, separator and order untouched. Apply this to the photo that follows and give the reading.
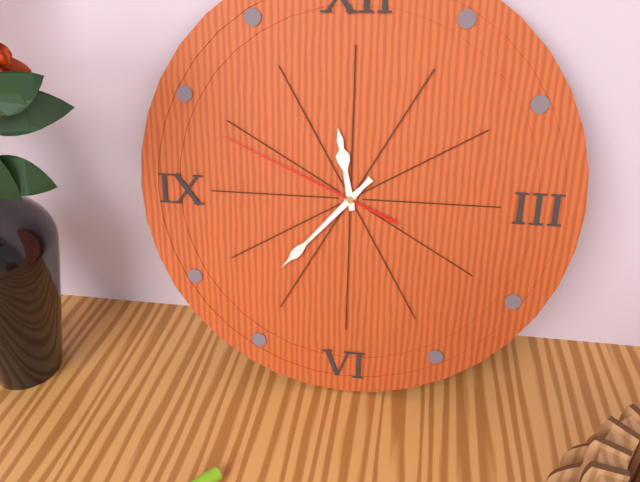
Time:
**11:37:49**
